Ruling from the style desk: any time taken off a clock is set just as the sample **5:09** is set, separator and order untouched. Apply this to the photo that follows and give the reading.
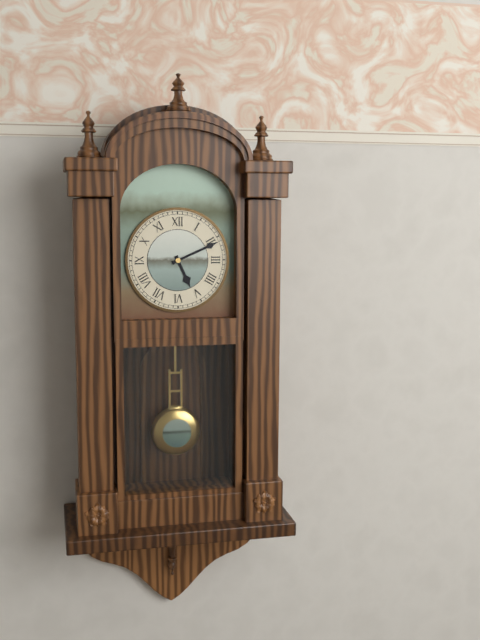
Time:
**5:11**
